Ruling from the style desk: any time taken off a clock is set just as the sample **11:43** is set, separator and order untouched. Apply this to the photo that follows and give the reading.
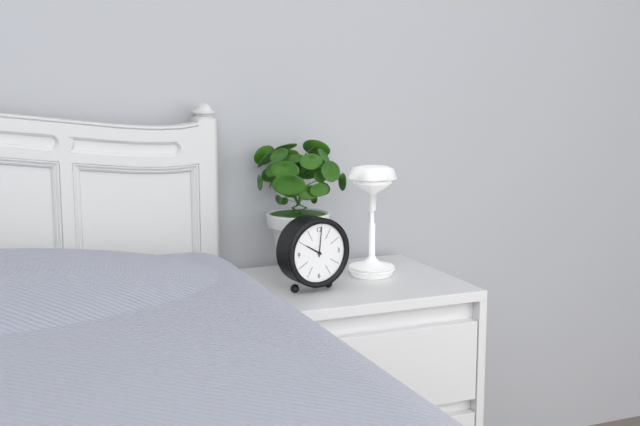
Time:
**10:01**
